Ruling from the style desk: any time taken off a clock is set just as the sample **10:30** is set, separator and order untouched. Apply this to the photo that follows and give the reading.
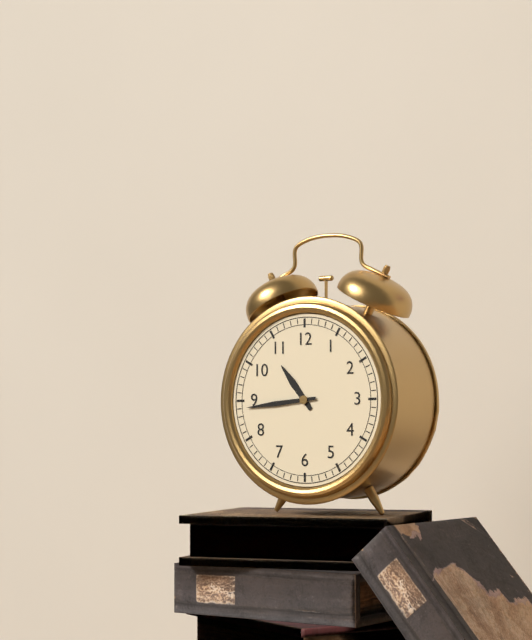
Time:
**10:44**
